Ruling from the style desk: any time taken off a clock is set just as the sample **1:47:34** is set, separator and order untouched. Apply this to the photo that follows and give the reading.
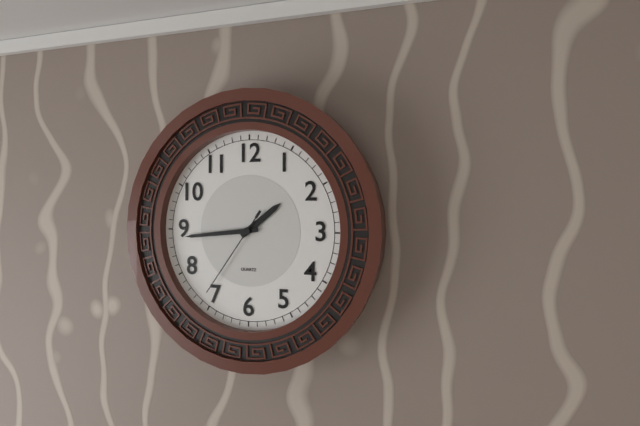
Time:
**1:44:36**
